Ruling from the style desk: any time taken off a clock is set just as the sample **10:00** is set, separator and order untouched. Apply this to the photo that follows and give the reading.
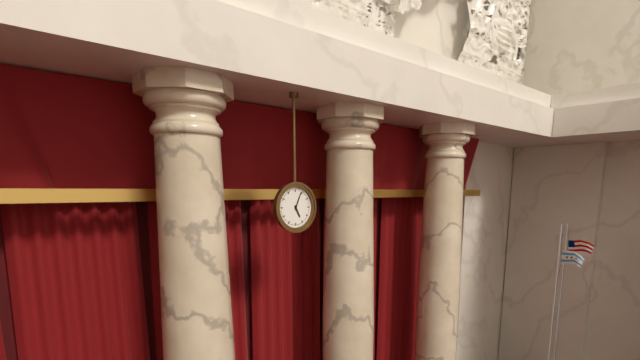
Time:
**5:04**
